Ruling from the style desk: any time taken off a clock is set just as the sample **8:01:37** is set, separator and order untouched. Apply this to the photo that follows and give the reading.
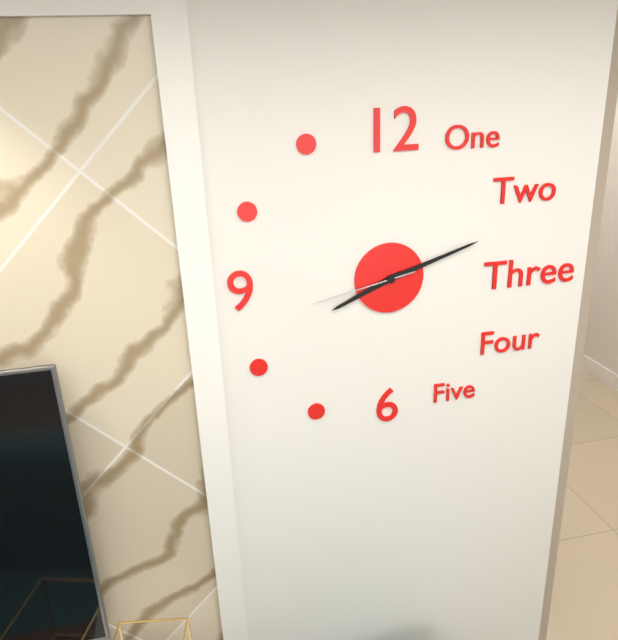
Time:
**8:12:43**
